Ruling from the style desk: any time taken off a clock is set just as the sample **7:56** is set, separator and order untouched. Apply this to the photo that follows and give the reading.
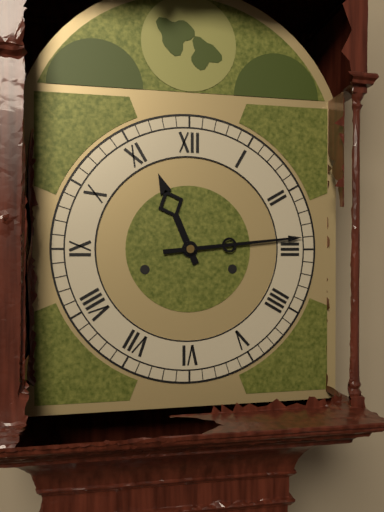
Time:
**11:14**
